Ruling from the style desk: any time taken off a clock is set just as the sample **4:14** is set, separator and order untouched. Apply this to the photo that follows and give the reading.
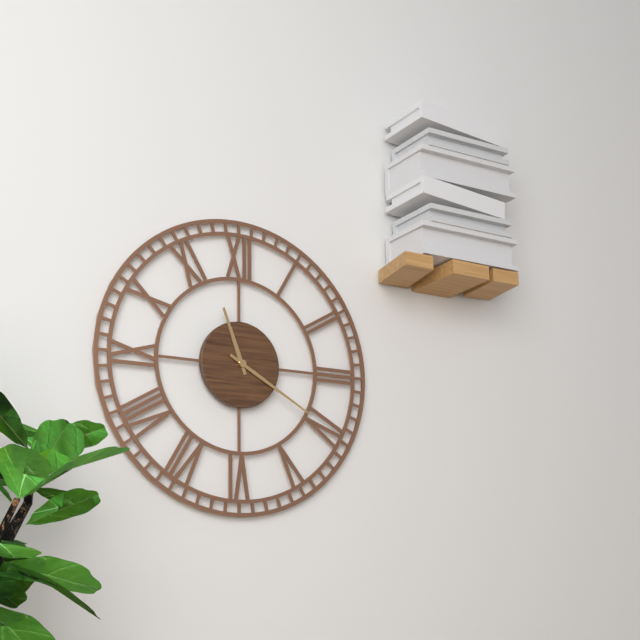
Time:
**11:20**
